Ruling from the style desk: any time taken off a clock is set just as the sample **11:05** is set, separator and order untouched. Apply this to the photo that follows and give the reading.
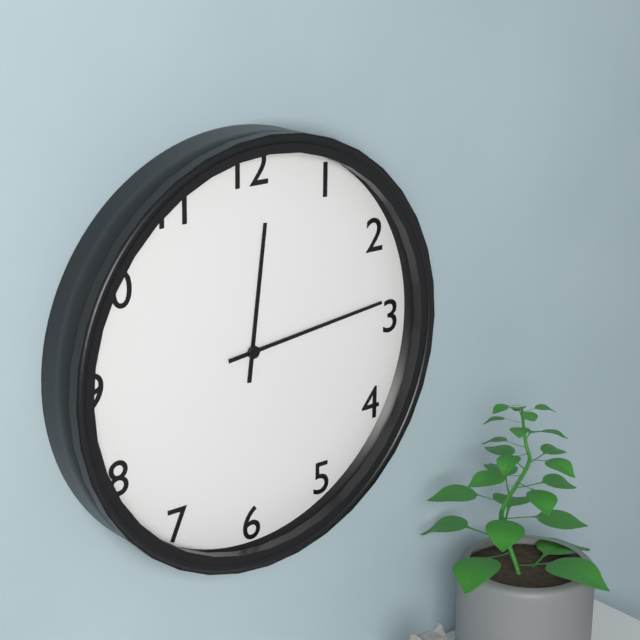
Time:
**12:14**
